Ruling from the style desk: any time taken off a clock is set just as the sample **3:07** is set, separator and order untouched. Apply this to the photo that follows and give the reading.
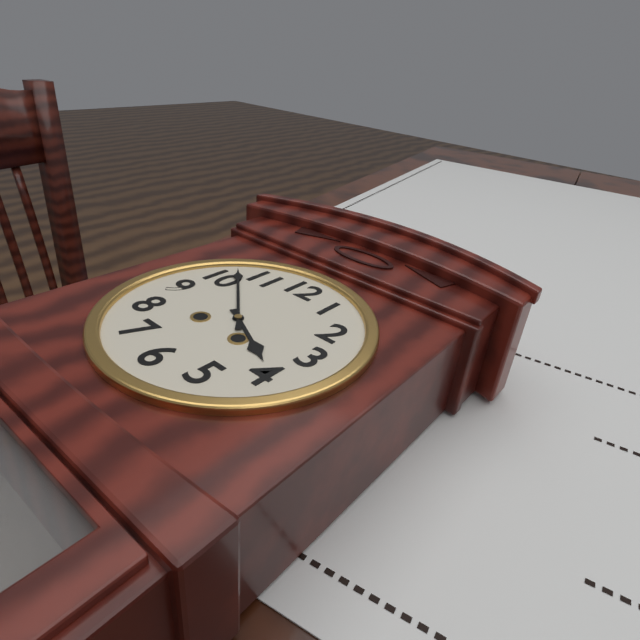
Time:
**3:52**
